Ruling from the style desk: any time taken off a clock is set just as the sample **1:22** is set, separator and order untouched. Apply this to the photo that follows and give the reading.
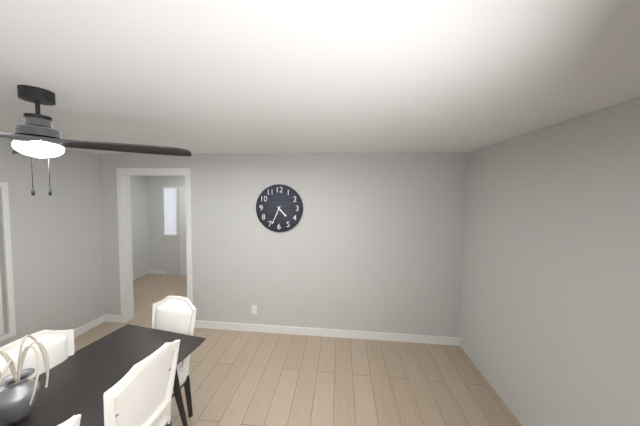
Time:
**4:34**
